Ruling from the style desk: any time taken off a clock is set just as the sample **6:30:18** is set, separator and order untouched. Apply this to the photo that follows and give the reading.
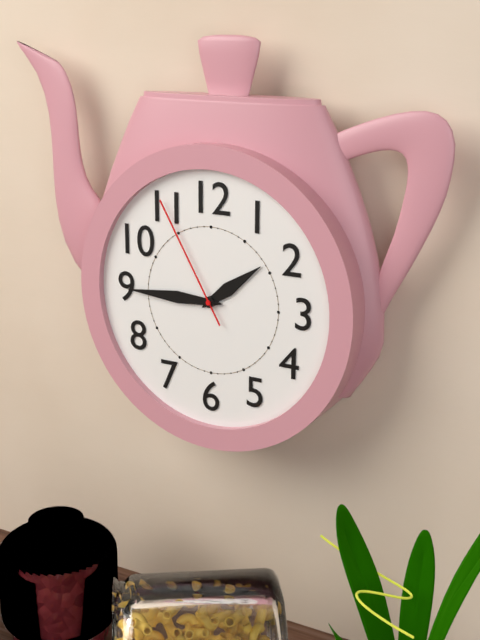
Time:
**1:45:55**
